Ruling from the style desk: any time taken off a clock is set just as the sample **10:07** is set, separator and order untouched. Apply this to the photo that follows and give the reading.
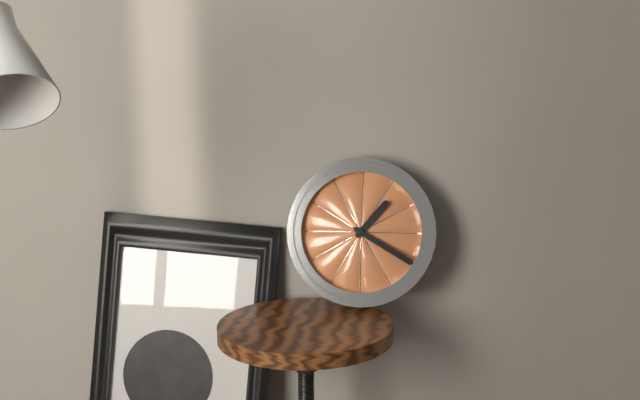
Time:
**1:20**
